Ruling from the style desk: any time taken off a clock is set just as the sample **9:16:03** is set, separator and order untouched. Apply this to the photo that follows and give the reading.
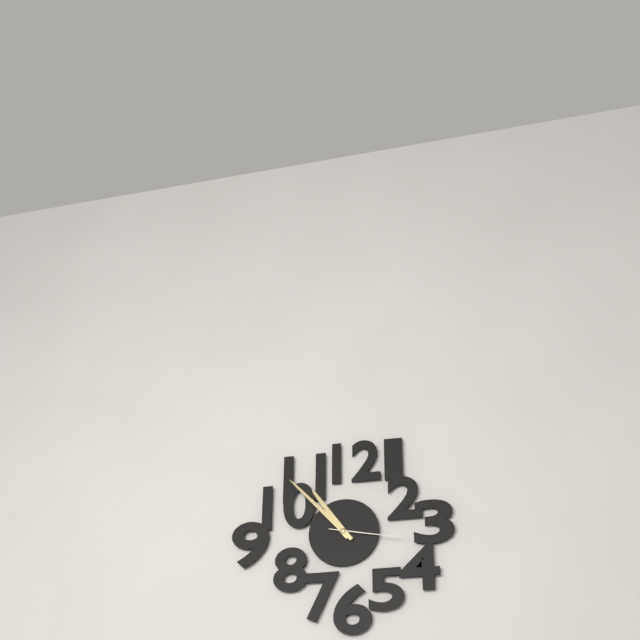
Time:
**10:53:17**
